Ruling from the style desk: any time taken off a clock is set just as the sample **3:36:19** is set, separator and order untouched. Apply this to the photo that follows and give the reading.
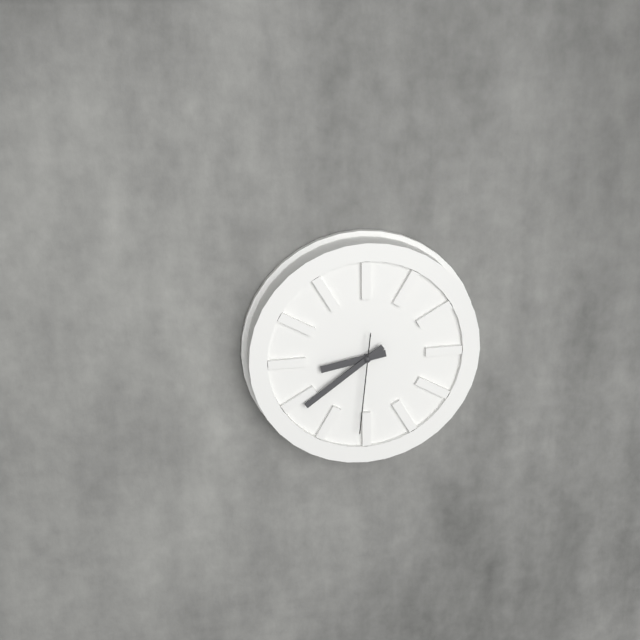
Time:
**8:39:31**
